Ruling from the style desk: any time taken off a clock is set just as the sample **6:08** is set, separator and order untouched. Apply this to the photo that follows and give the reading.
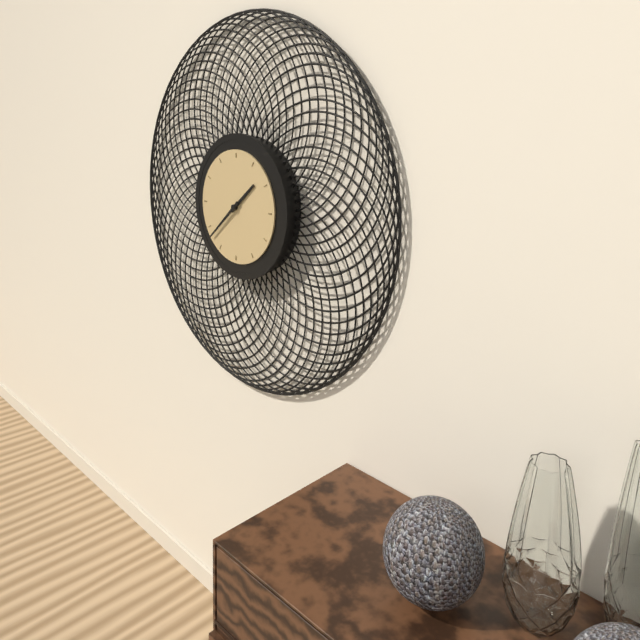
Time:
**1:38**
